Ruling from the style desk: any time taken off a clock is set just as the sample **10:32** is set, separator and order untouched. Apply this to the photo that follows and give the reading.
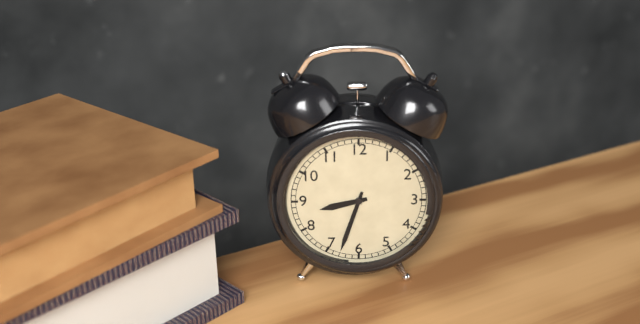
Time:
**8:33**
